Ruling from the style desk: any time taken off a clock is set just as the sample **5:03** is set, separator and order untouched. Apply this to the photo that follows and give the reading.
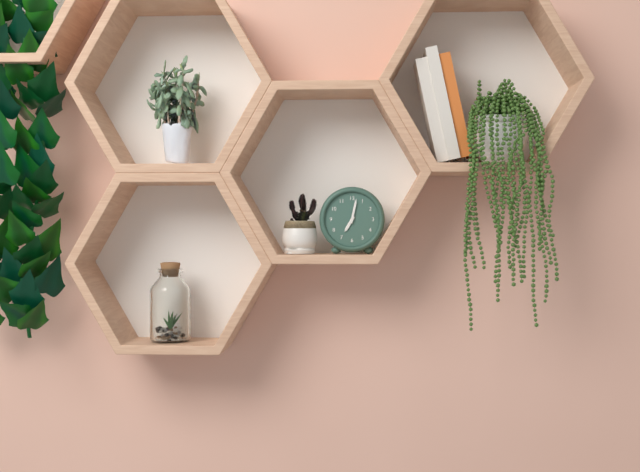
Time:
**7:02**
